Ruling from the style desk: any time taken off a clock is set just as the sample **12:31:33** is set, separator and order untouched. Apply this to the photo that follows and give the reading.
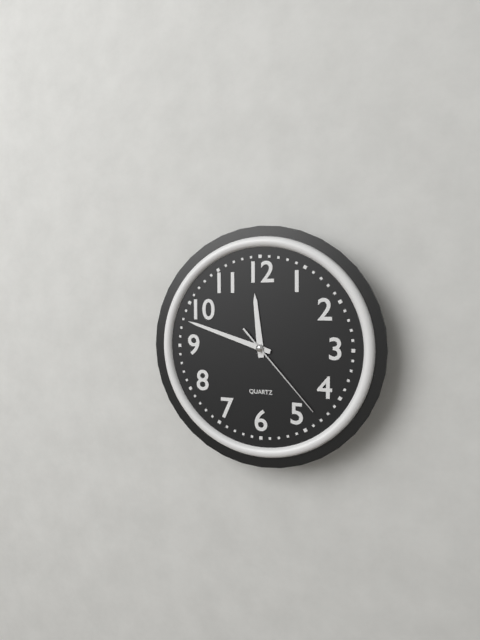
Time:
**11:48:23**
